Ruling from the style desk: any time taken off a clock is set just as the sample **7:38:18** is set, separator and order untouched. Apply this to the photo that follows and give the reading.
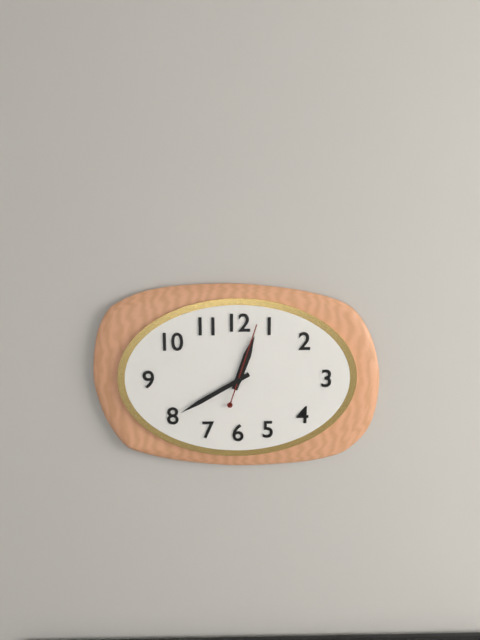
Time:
**12:40:03**
